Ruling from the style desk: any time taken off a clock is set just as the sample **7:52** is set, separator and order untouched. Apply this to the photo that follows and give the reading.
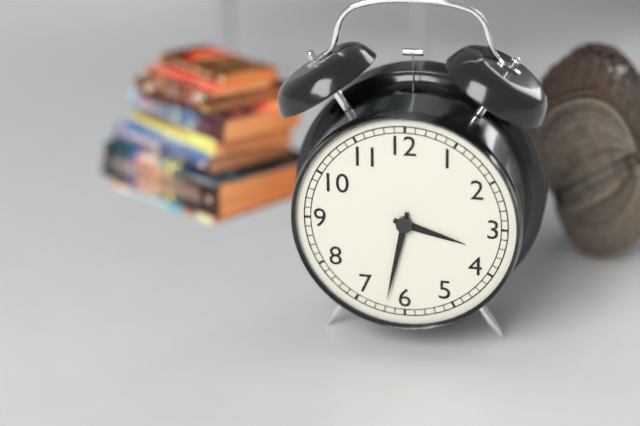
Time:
**3:32**
